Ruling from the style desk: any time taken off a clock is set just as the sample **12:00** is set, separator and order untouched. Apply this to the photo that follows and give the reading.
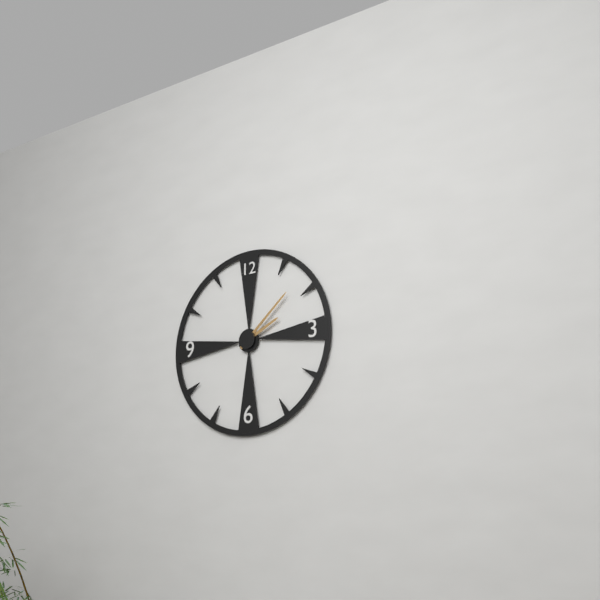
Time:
**2:08**
